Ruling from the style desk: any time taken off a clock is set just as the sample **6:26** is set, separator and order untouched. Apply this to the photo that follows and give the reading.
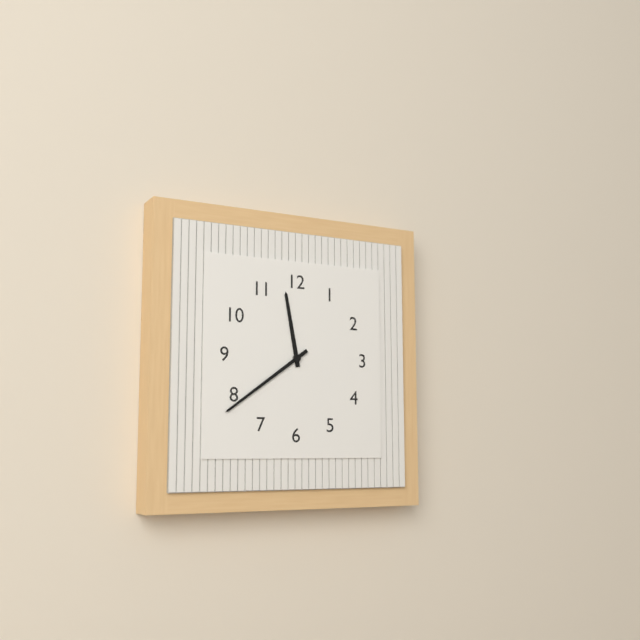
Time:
**11:39**
